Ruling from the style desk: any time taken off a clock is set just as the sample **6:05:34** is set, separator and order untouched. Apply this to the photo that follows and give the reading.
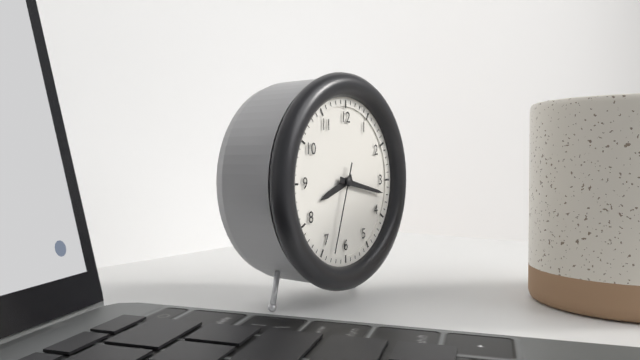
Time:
**8:17:33**
